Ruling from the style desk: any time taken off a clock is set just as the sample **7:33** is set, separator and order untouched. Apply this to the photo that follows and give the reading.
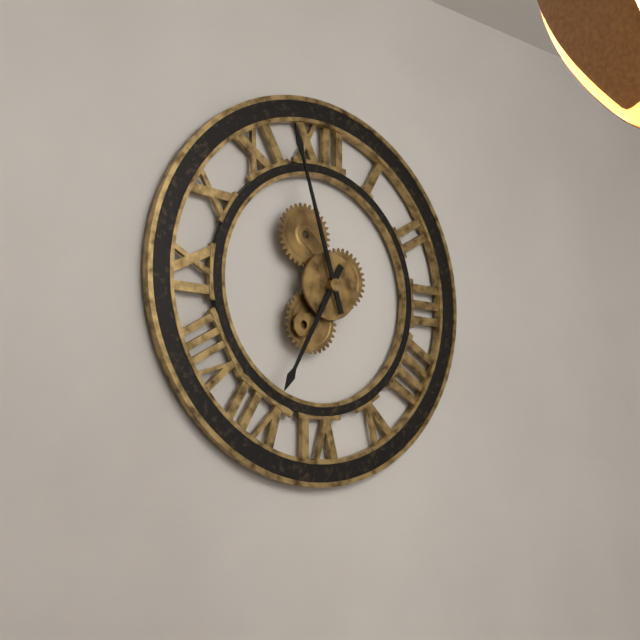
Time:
**6:57**
